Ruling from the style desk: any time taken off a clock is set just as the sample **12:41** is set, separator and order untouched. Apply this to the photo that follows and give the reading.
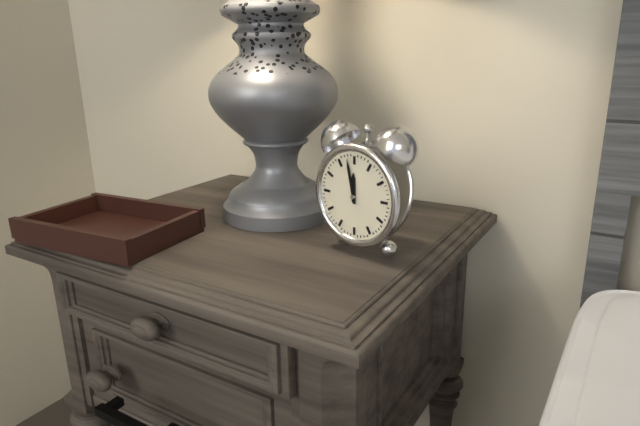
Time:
**11:58**
